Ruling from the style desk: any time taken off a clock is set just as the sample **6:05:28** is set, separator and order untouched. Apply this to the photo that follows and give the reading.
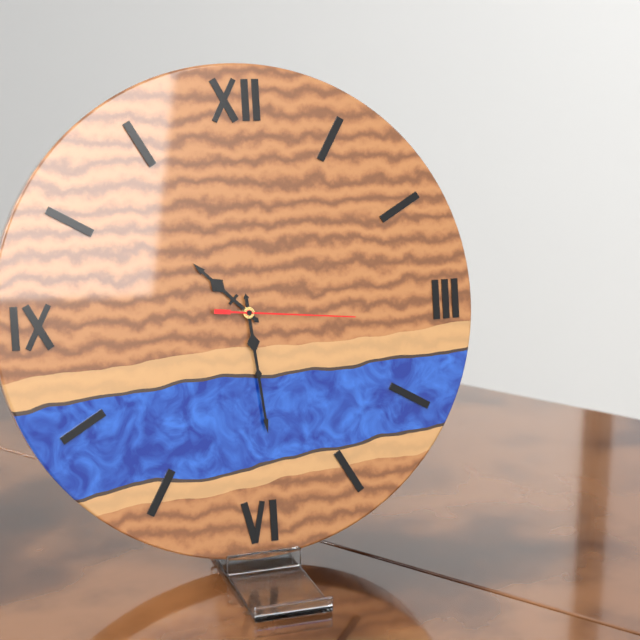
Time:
**10:29:16**
